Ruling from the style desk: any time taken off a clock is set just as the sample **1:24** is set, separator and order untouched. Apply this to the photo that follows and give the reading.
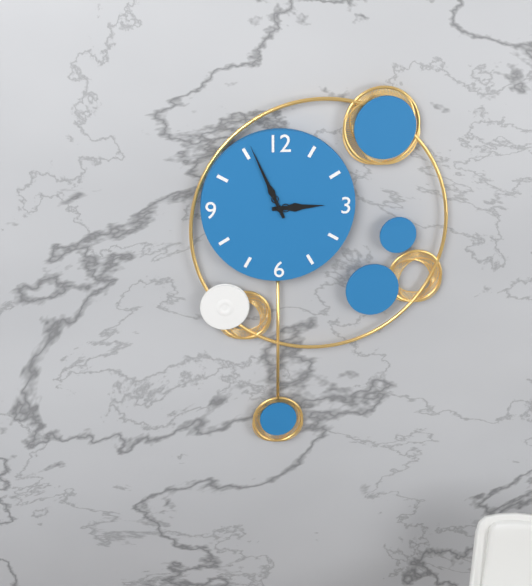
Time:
**2:56**
